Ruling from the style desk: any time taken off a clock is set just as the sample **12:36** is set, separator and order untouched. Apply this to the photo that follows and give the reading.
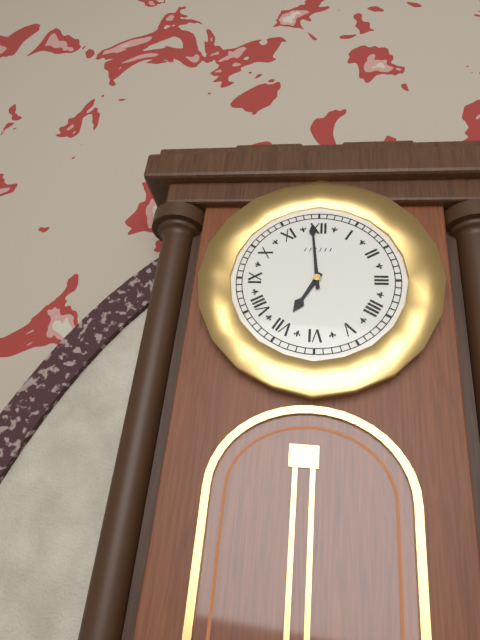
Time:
**6:59**
